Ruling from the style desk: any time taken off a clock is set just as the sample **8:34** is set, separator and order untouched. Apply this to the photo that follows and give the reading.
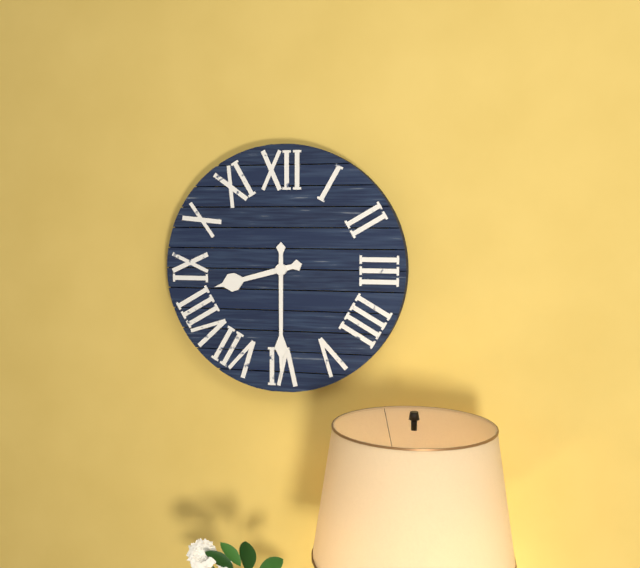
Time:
**8:30**
